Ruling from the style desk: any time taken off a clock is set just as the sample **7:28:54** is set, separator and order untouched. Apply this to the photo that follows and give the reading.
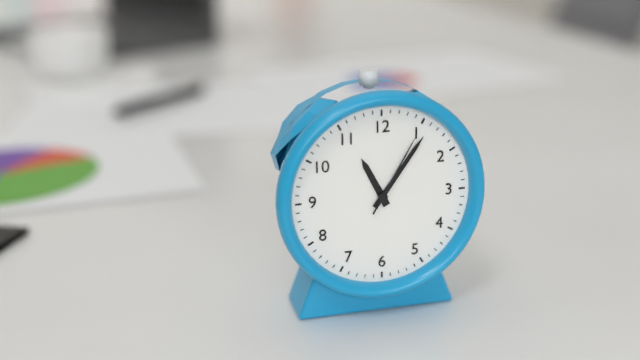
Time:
**11:06:05**
